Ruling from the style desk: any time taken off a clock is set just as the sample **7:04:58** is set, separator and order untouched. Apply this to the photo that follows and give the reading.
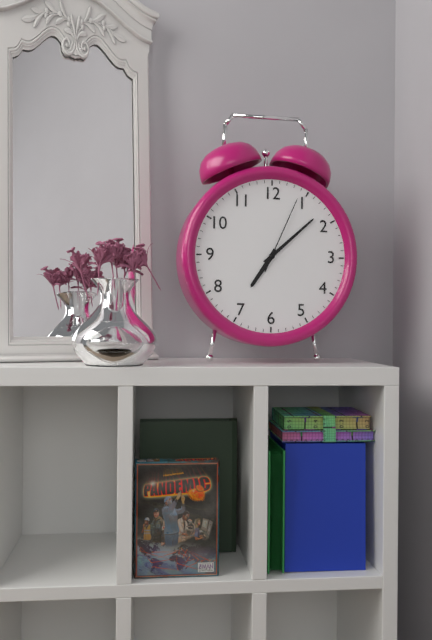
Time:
**7:08:04**
